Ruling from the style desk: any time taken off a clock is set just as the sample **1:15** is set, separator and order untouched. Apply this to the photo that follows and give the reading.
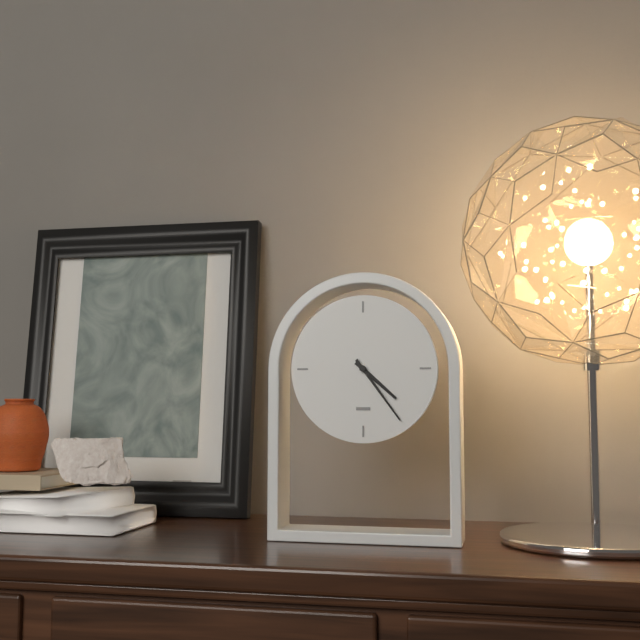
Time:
**4:24**
